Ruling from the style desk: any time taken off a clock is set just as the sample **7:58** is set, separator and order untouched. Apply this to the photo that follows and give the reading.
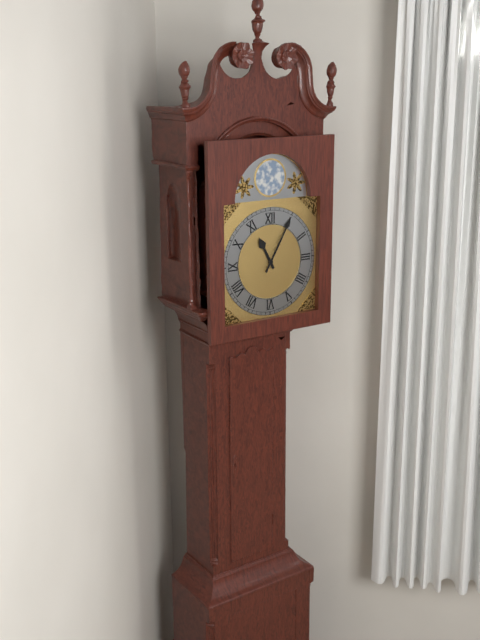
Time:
**11:05**
